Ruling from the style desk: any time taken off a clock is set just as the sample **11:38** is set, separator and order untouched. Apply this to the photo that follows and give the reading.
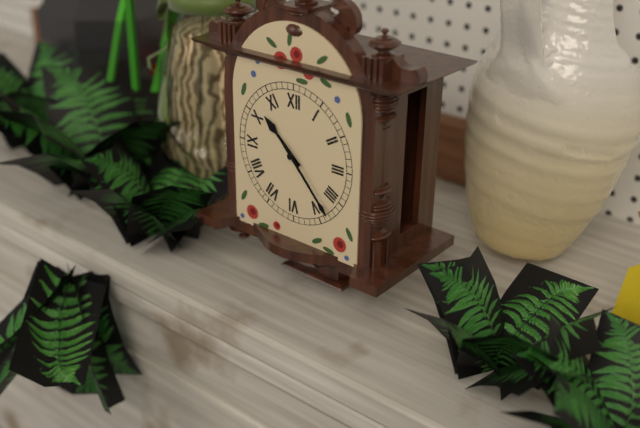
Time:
**10:23**
